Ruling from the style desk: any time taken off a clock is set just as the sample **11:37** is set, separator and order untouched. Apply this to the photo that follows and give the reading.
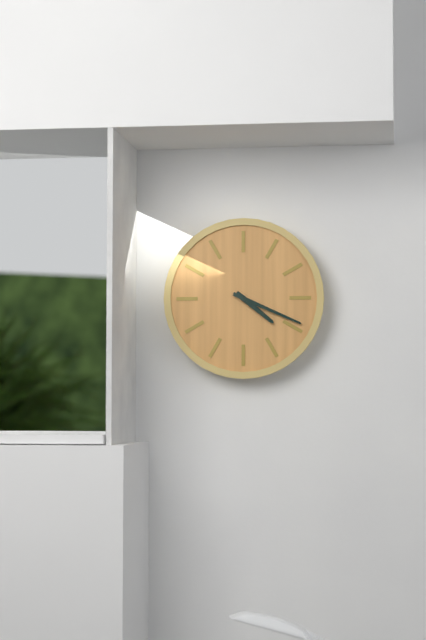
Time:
**4:19**
